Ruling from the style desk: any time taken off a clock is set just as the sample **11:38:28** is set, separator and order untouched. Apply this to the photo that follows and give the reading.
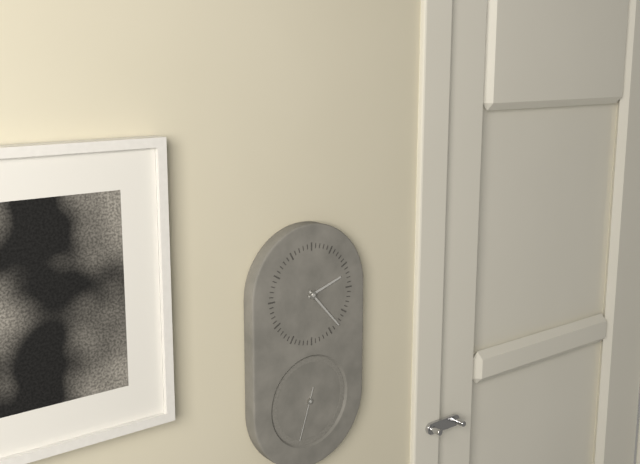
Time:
**2:23:33**
